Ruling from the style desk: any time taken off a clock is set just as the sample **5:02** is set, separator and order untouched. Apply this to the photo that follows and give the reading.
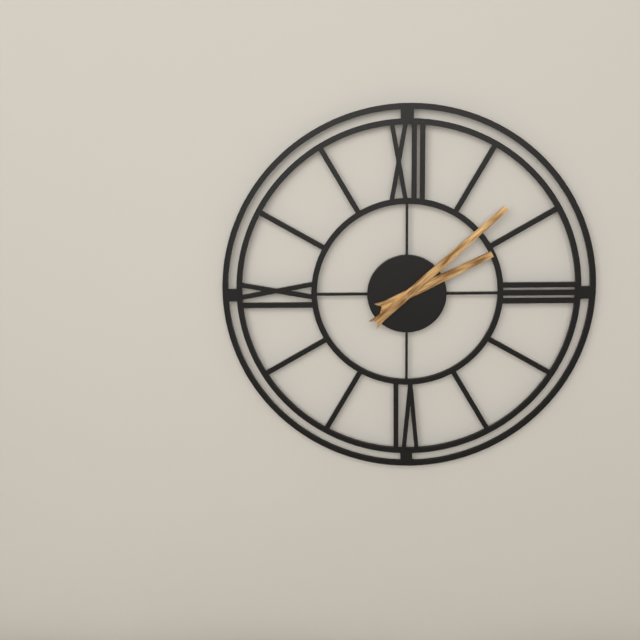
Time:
**2:08**
